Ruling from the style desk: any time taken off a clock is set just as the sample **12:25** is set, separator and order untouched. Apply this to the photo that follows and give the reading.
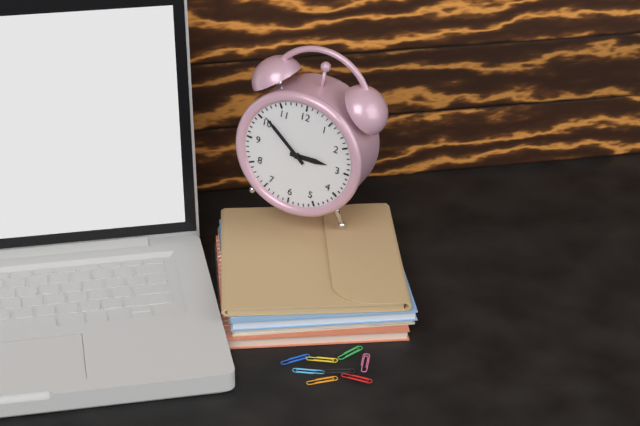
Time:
**2:51**
